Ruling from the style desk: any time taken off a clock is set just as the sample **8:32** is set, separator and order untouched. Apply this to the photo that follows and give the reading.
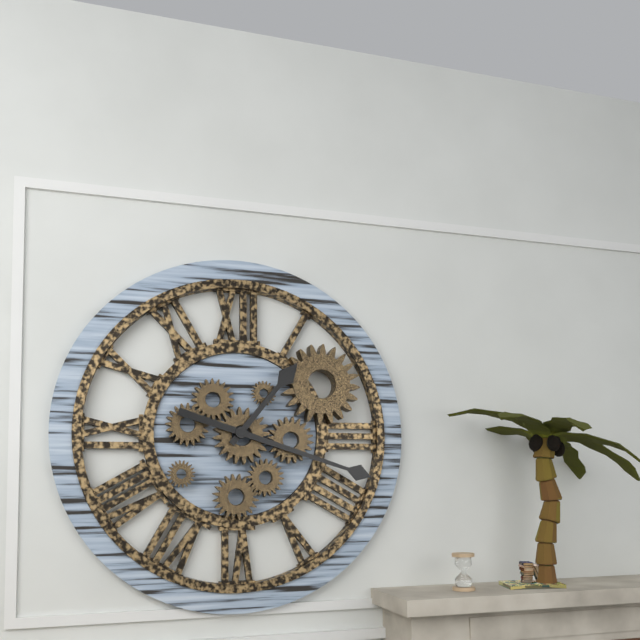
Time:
**1:18**
